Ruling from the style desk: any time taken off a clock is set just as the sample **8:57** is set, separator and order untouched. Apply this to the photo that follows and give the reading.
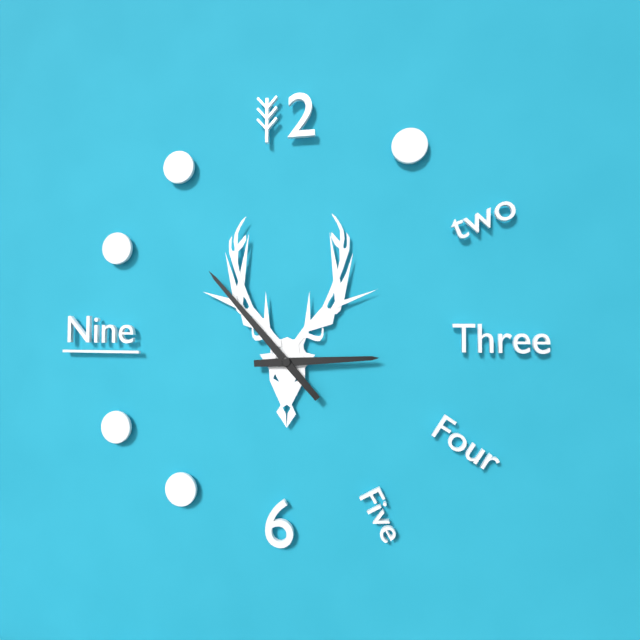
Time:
**2:53**
